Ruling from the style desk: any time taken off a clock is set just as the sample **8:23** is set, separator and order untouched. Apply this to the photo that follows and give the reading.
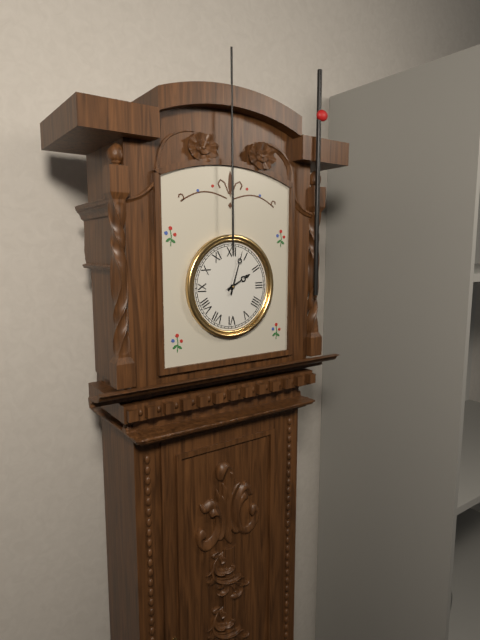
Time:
**2:03**
